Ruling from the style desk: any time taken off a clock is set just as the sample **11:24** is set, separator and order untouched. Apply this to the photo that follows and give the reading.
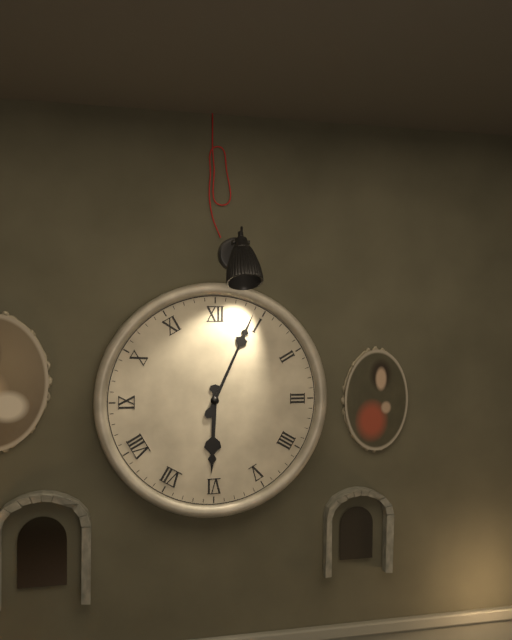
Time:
**6:04**
